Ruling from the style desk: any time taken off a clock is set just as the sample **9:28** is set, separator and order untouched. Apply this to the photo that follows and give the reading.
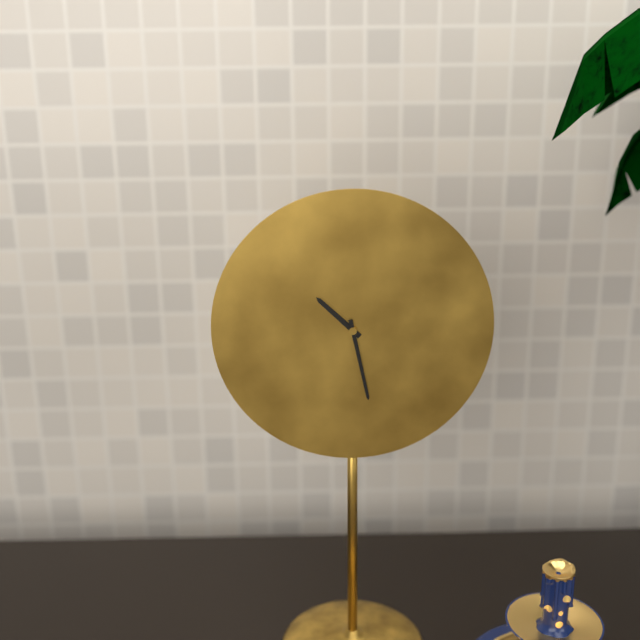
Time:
**10:28**
